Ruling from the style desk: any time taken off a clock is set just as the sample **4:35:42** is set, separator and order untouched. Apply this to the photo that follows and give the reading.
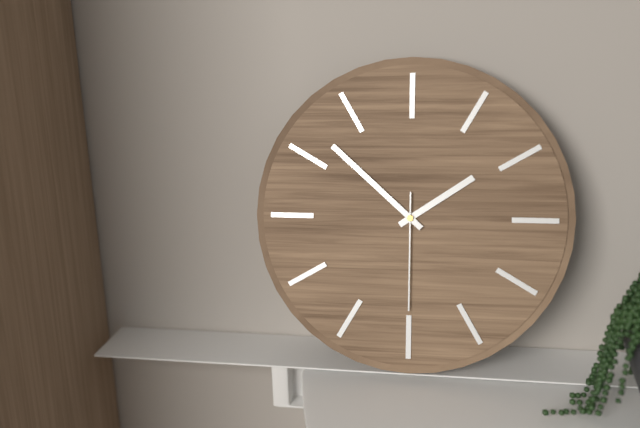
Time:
**1:52:30**
